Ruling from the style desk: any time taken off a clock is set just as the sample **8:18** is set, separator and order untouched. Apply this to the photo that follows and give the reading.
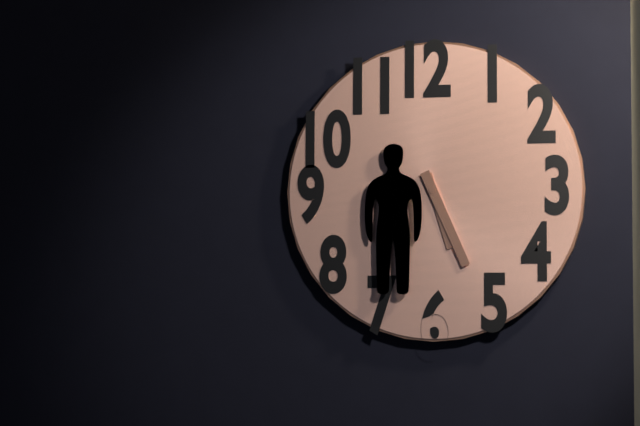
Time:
**5:26**
